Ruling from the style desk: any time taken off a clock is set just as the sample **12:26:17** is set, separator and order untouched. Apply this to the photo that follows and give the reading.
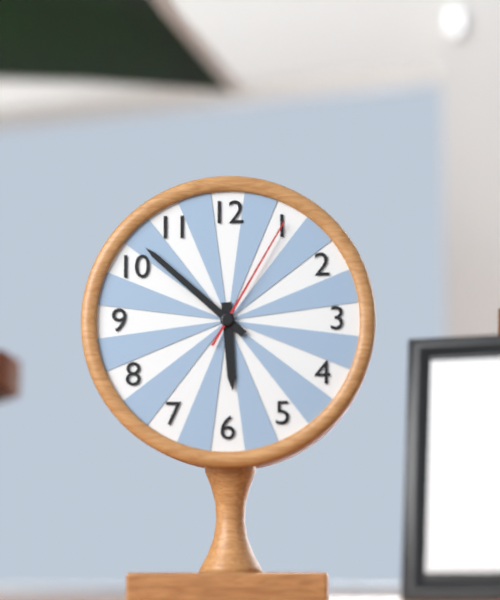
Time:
**5:52:05**
